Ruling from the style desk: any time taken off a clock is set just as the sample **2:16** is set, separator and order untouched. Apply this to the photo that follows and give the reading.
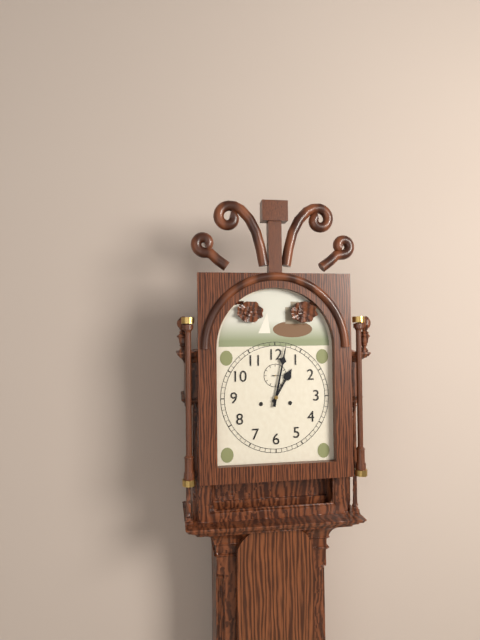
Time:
**1:02**
